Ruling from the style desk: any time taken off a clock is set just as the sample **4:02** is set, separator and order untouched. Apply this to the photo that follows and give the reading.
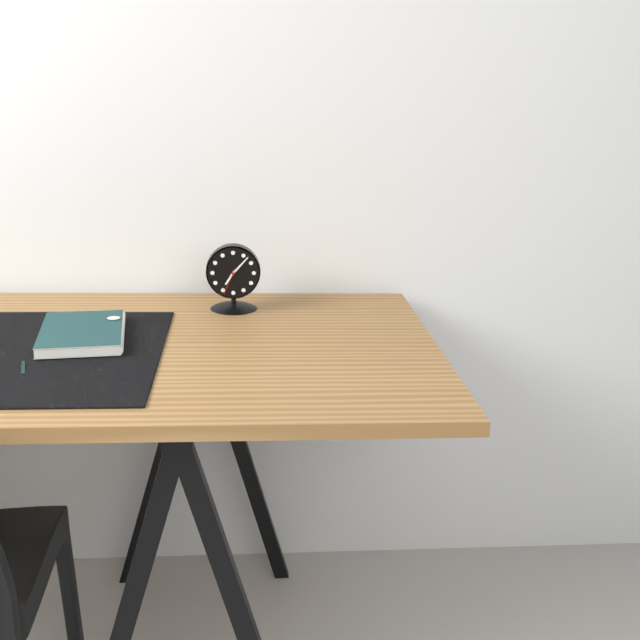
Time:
**7:07**
